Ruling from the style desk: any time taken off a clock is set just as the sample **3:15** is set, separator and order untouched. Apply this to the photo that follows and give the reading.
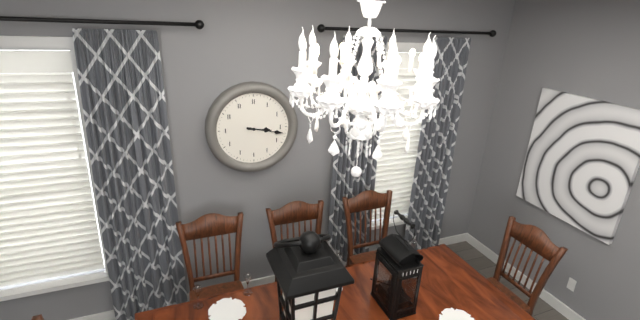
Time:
**3:17**
